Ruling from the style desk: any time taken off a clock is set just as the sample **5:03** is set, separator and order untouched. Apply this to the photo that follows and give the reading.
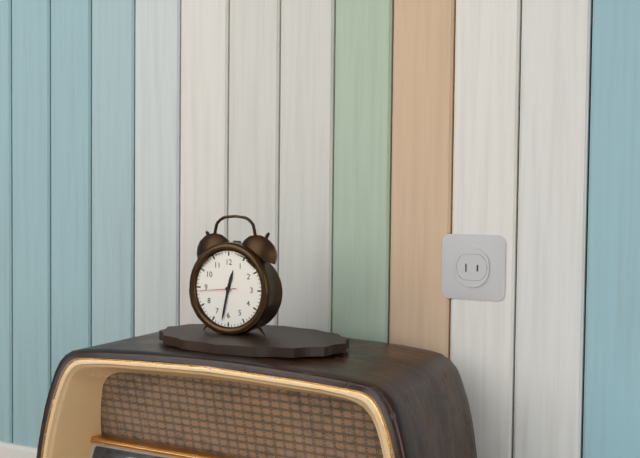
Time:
**12:32**
